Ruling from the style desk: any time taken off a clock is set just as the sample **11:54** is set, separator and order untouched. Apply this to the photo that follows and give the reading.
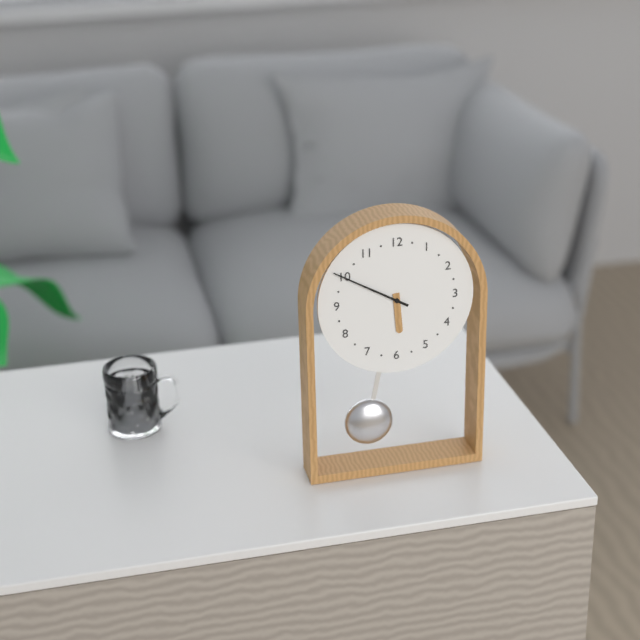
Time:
**5:50**
